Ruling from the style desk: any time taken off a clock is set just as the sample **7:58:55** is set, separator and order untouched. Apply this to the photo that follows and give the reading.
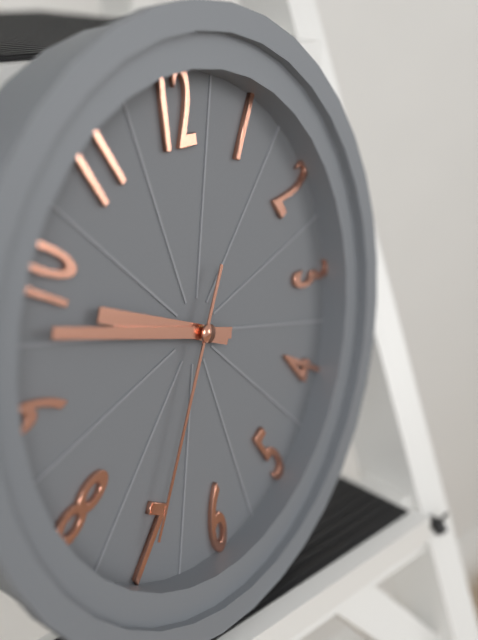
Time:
**9:48:35**
